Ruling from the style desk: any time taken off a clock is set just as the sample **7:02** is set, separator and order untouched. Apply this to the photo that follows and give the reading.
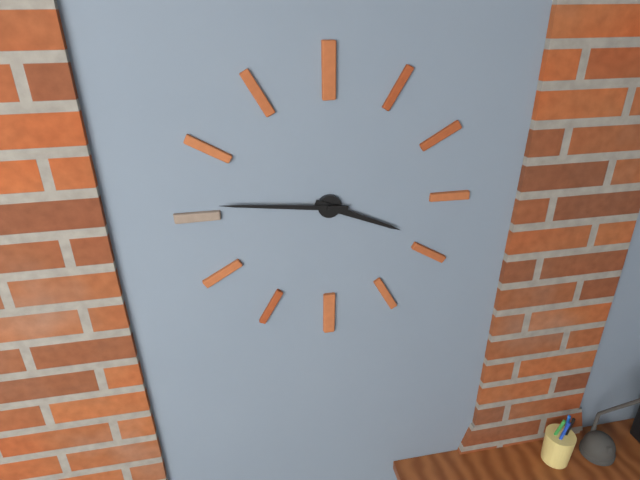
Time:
**3:46**
